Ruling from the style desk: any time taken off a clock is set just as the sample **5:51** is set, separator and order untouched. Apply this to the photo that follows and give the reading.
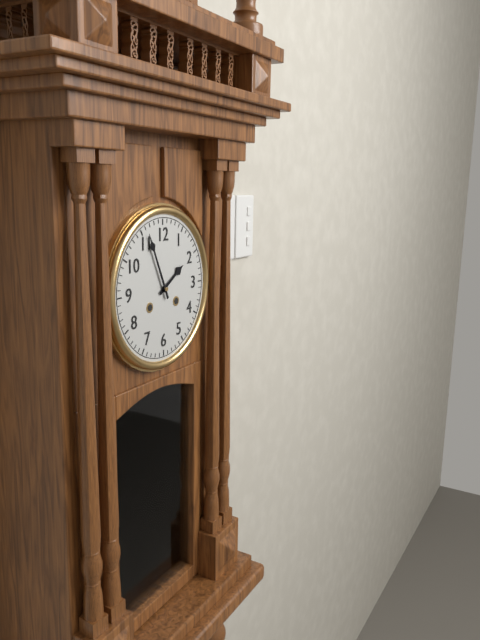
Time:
**1:56**
